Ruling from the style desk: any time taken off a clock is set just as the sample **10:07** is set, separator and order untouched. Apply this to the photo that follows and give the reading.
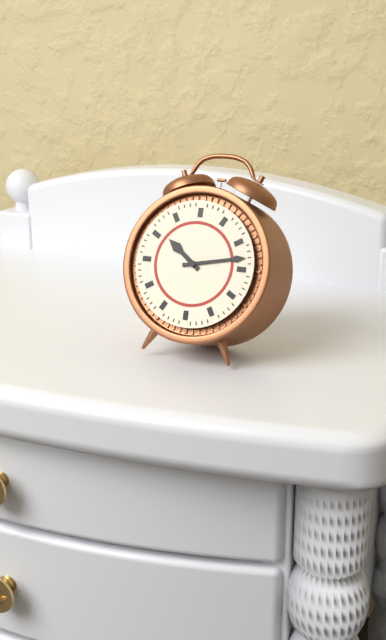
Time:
**10:13**
